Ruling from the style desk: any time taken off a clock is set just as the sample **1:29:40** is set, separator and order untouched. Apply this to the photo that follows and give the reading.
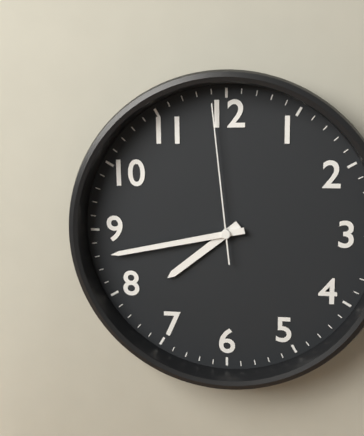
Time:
**7:43:59**
